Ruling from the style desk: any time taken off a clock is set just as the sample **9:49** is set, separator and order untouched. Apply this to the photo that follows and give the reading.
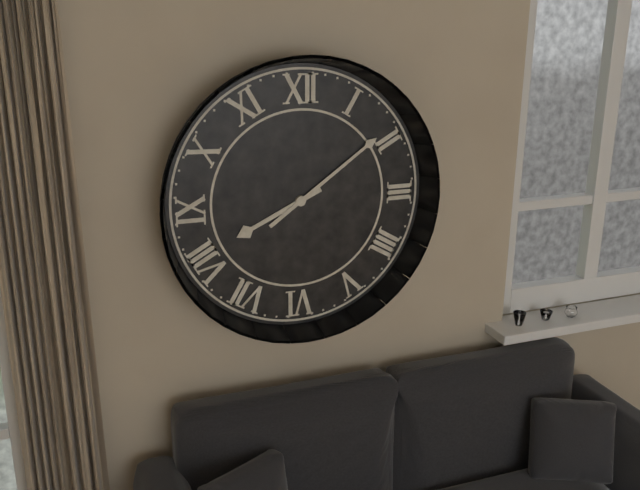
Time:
**8:09**
